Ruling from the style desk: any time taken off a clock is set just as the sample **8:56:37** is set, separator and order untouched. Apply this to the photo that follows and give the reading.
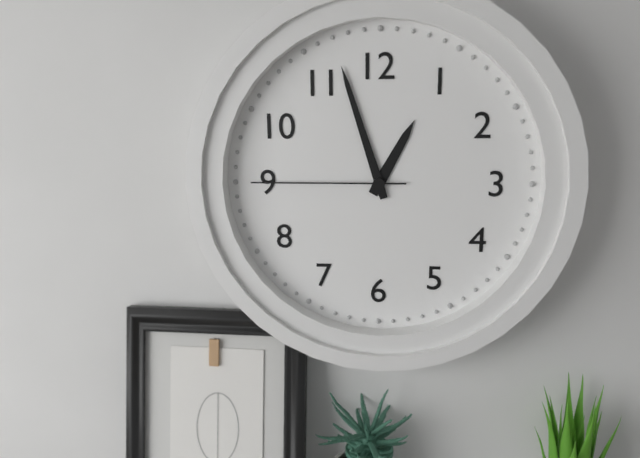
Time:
**12:57:45**
